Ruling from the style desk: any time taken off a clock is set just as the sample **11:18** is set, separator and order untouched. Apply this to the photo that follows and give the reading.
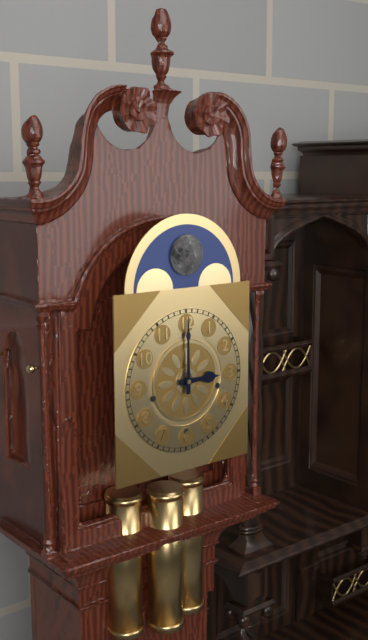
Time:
**3:00**
